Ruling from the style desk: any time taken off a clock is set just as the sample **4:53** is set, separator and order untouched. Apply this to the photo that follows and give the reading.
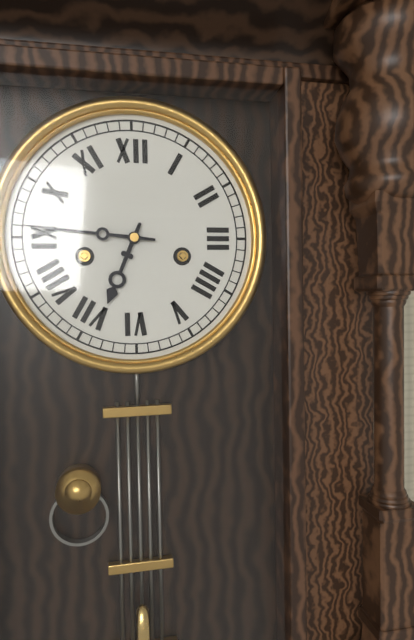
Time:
**6:46**
